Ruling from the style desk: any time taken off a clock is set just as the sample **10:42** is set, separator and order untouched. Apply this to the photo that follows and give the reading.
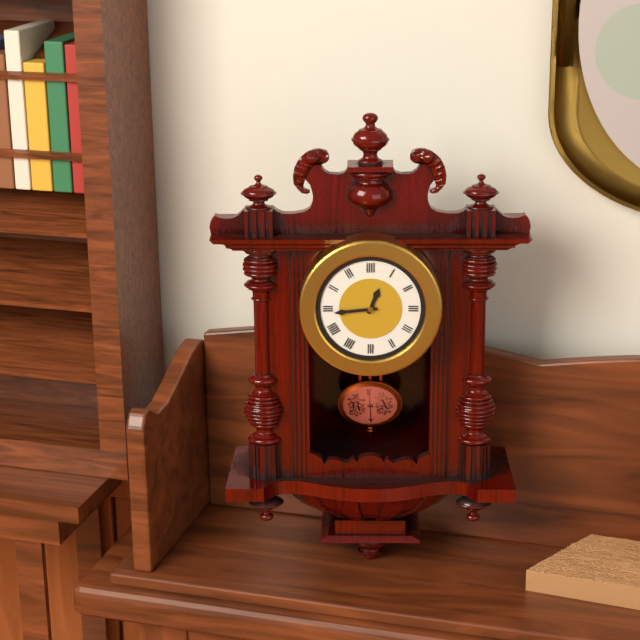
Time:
**12:44**
